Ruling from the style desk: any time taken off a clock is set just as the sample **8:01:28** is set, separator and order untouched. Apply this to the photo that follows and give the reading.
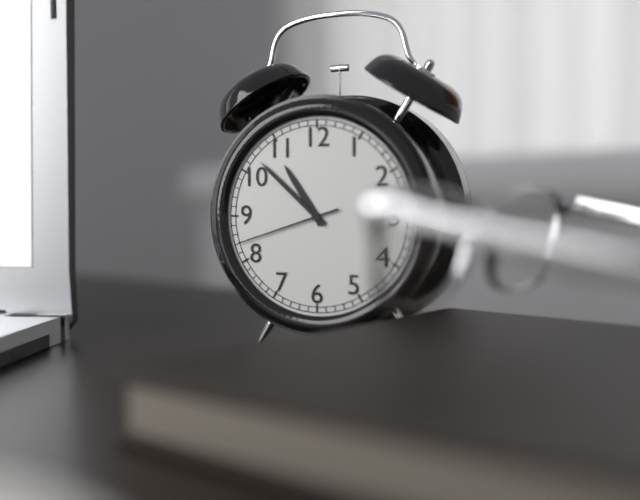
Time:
**10:52:42**
